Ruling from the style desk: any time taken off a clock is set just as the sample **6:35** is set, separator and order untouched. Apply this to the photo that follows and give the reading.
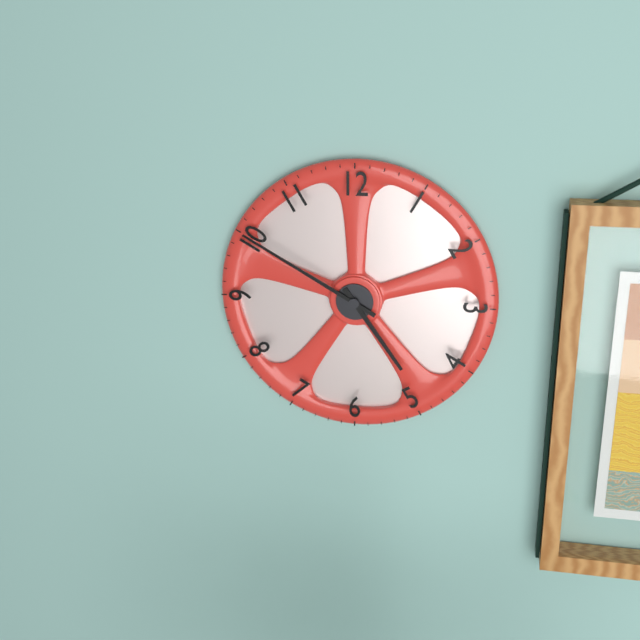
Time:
**4:50**
